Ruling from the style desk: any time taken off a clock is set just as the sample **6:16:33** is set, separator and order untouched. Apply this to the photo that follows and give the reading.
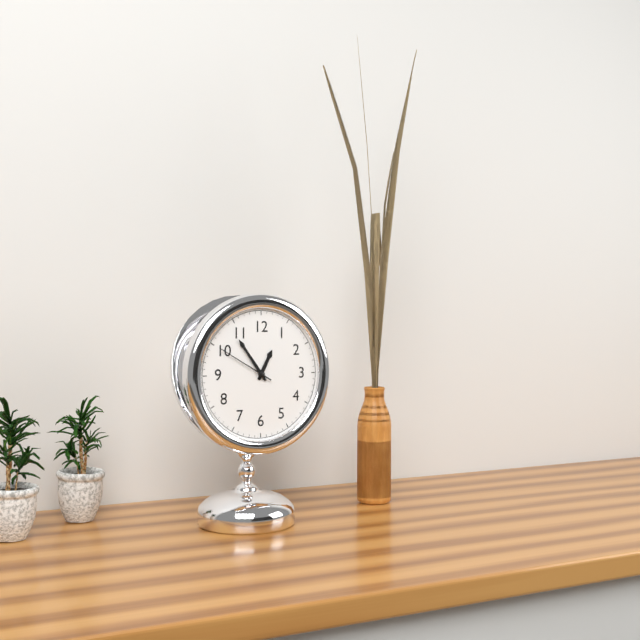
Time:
**12:54:50**
